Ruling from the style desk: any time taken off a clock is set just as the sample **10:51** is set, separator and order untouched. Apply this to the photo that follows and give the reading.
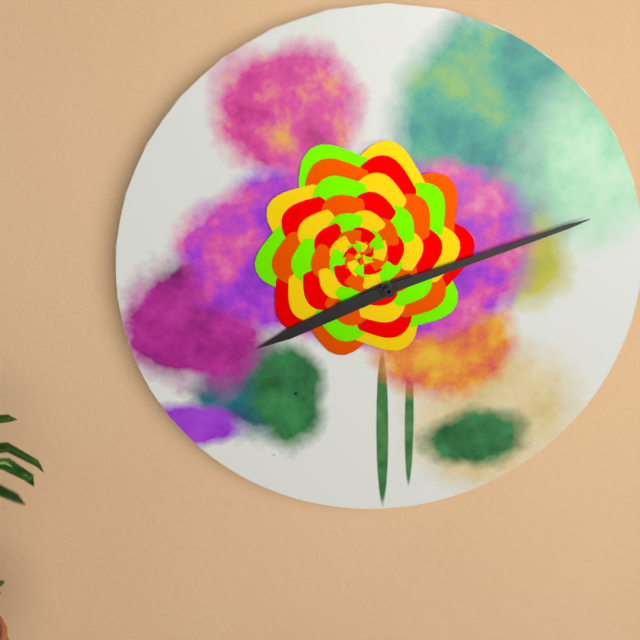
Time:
**8:12**
